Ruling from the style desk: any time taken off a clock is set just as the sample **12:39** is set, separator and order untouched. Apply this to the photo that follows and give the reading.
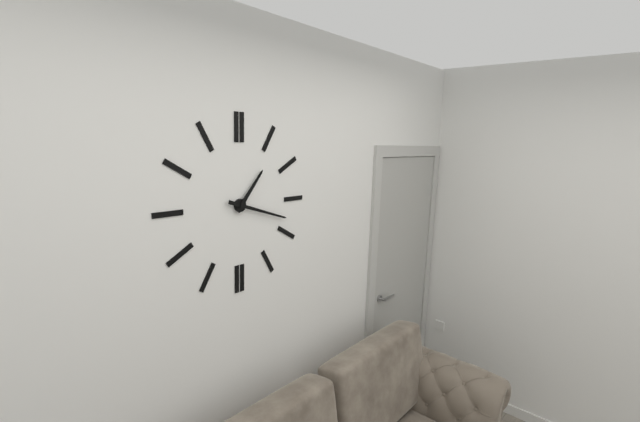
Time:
**1:18**
